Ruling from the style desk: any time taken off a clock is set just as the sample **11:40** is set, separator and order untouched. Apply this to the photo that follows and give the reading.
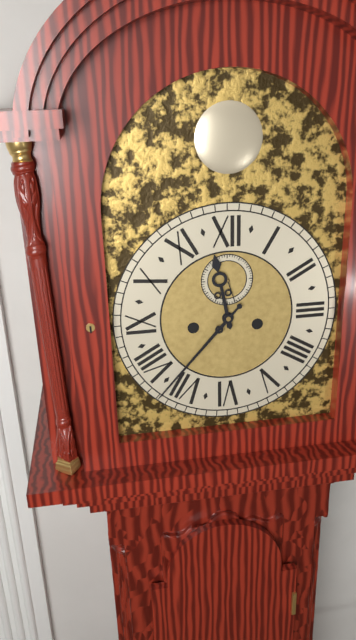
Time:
**11:37**
